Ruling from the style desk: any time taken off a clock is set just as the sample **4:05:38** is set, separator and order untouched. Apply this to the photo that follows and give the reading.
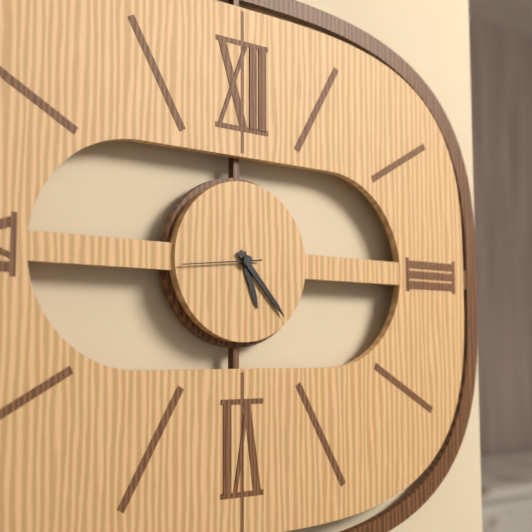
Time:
**5:23:44**
